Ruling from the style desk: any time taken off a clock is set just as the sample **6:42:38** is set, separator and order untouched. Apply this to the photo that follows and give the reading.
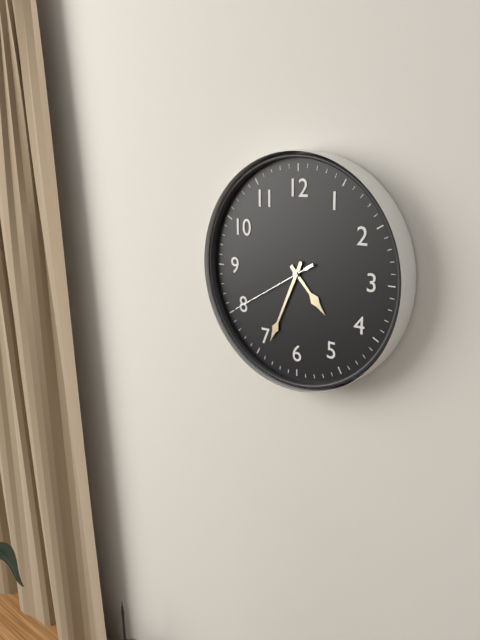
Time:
**4:34:40**
